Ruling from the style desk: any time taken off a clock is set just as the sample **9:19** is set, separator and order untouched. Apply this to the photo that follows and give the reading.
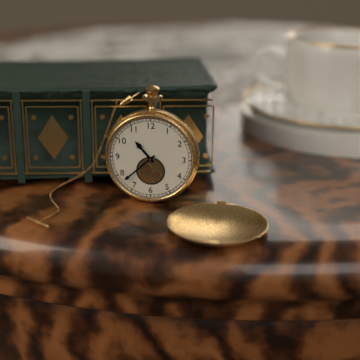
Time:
**10:38**
